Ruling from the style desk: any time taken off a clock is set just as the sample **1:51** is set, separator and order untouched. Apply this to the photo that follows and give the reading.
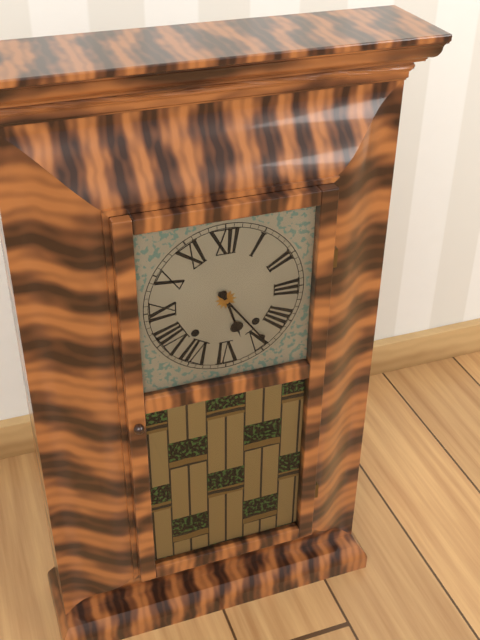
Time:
**5:24**
